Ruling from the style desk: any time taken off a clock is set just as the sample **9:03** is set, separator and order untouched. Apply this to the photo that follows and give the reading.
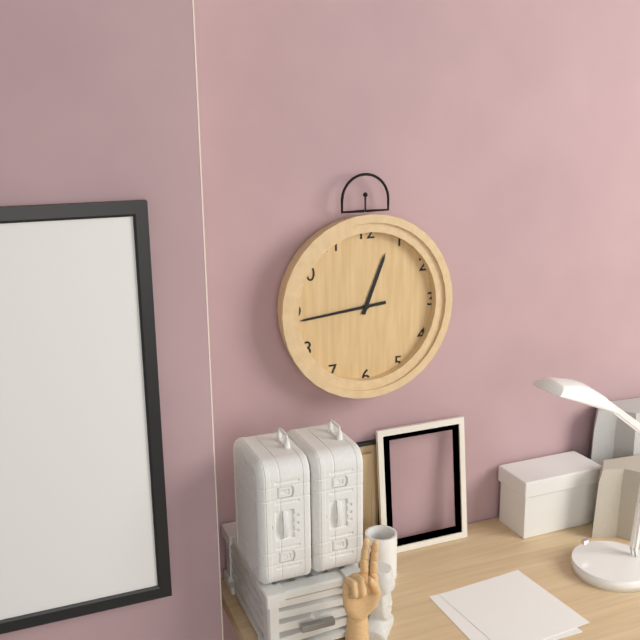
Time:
**12:44**
